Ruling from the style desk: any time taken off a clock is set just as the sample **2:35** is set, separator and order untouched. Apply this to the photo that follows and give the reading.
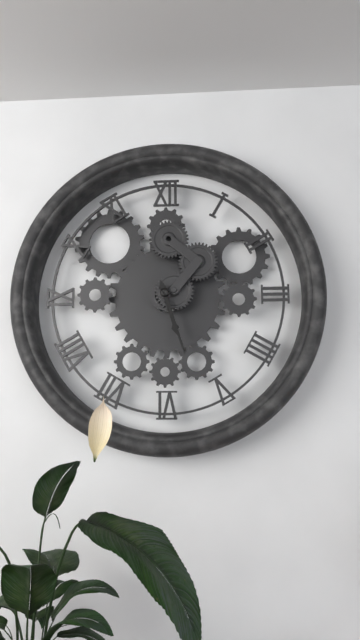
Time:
**5:27**
